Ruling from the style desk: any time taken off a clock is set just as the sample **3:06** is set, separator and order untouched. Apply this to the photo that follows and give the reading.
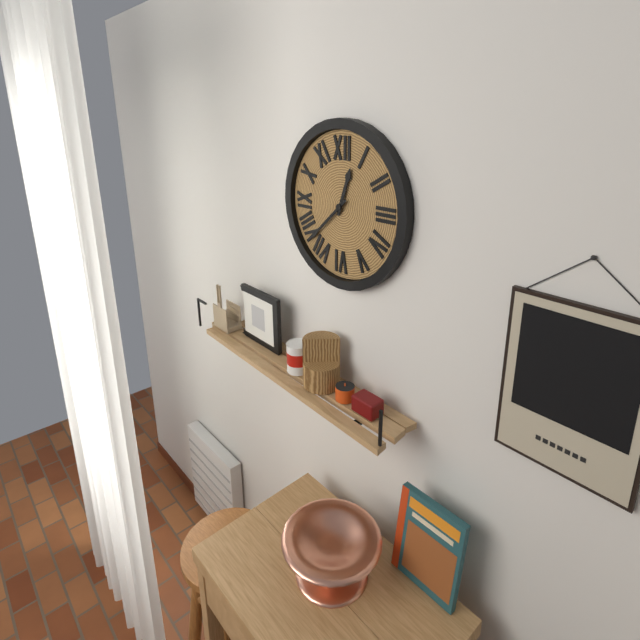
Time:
**12:38**
